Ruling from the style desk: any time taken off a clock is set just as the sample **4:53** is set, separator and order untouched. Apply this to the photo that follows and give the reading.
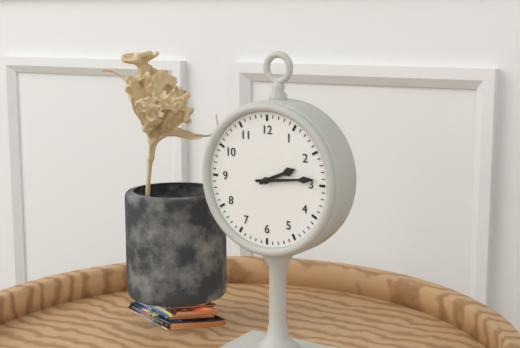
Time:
**2:14**
